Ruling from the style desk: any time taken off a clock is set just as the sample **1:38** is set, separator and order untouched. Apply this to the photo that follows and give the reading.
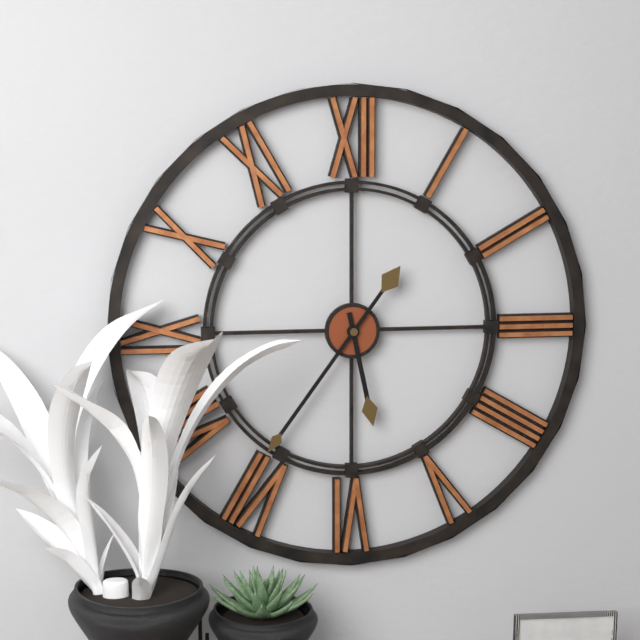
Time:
**5:36**
